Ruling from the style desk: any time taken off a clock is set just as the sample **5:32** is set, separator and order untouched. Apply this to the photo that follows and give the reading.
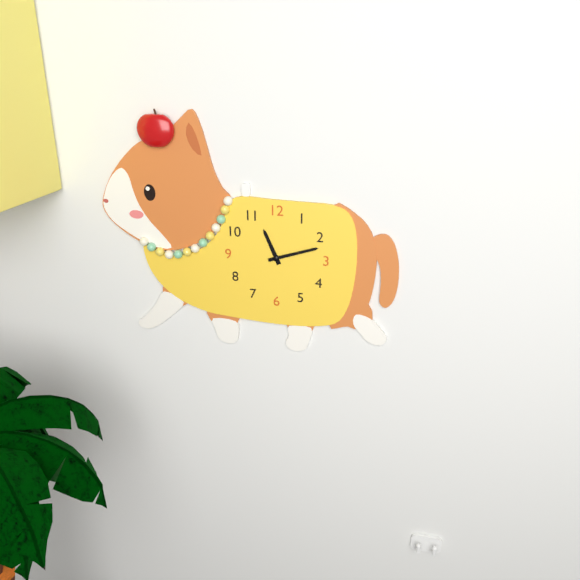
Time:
**11:12**
